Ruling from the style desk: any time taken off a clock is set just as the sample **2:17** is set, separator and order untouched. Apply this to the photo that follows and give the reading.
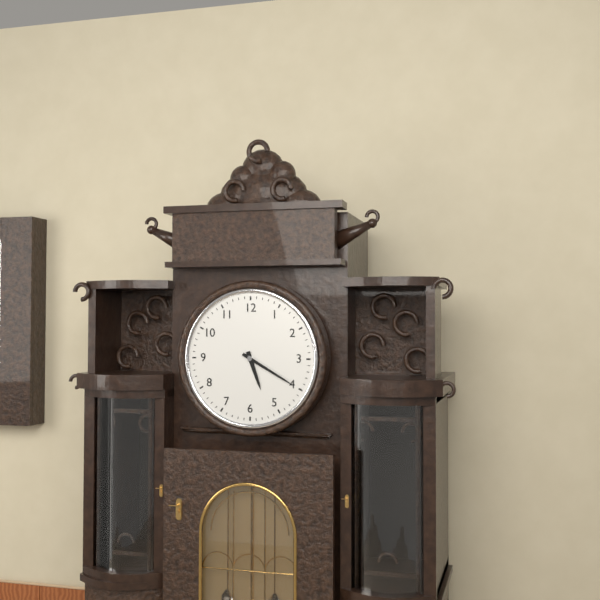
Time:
**5:20**
